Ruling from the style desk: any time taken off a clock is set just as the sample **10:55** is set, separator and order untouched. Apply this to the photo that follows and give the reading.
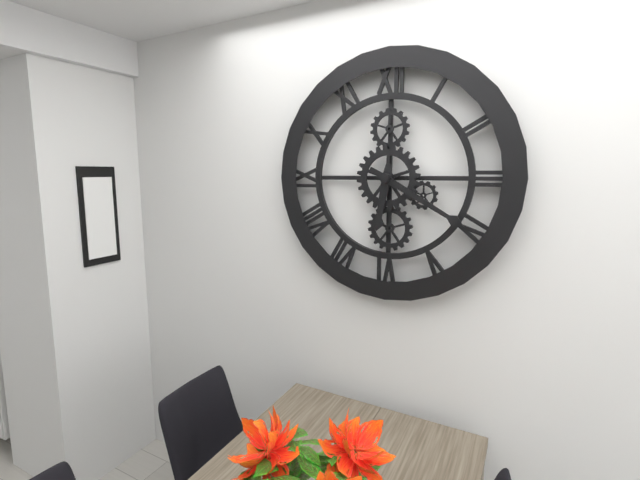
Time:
**6:20**
